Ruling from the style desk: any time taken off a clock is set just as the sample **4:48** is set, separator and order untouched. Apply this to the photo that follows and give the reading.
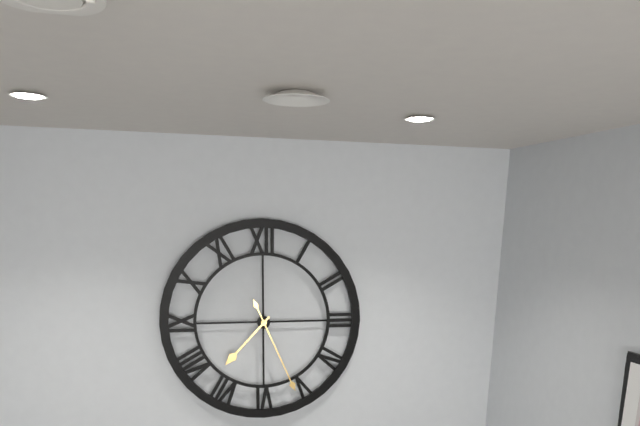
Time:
**7:26**
